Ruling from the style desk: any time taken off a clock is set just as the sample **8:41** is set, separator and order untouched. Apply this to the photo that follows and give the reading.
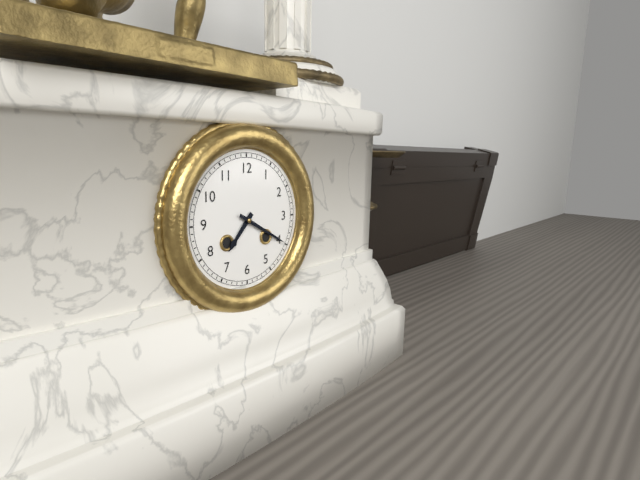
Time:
**7:20**
